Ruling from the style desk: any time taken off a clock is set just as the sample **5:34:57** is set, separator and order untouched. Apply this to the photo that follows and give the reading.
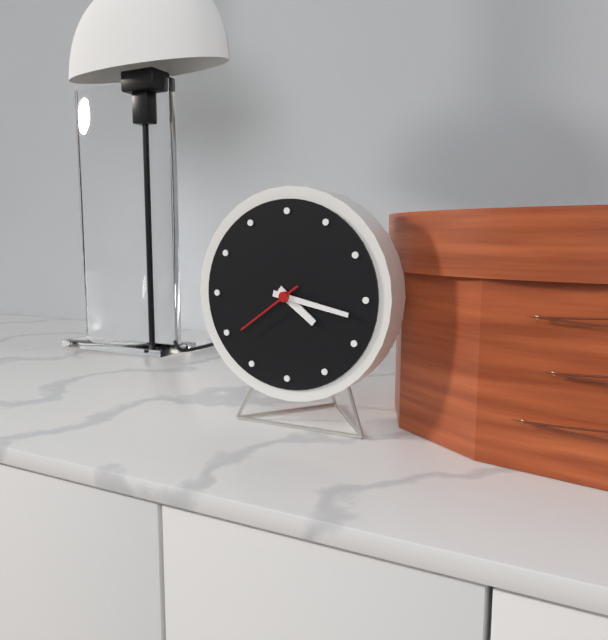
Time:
**4:17:39**
